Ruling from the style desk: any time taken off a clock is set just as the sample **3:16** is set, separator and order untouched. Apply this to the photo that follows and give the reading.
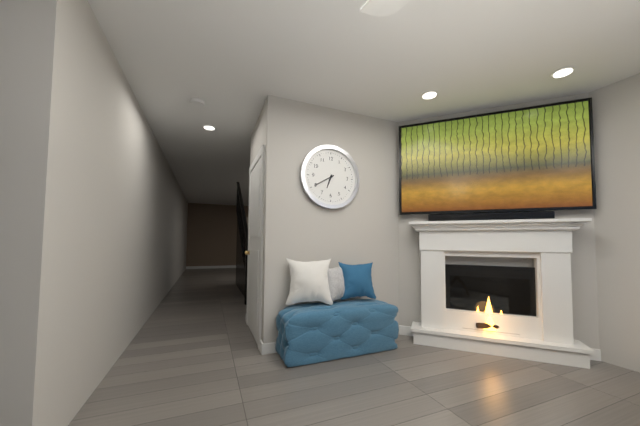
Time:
**6:40**
